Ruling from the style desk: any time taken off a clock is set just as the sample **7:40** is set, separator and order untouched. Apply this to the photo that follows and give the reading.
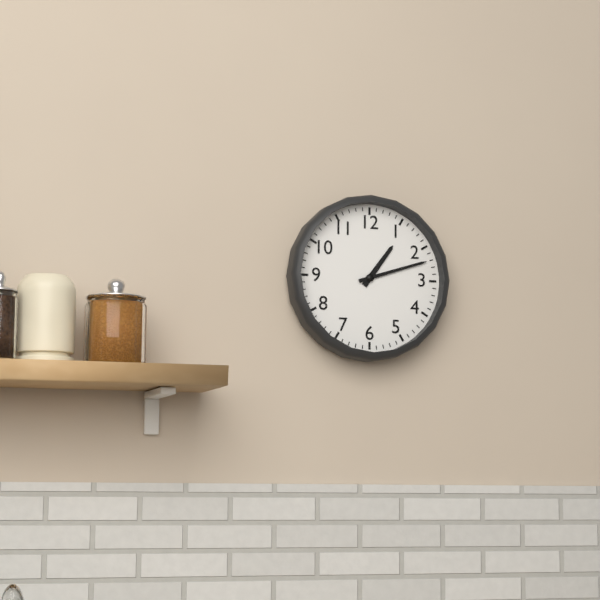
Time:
**1:12**
